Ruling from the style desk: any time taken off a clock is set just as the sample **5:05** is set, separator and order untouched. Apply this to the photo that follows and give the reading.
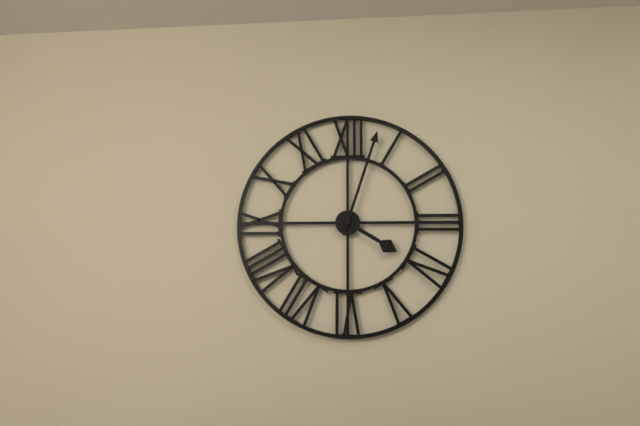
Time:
**4:03**
